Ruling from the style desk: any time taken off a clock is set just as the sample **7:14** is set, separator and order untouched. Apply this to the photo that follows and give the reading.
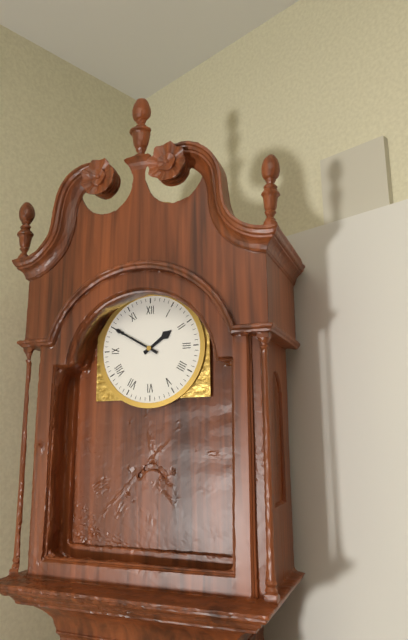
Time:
**1:50**
